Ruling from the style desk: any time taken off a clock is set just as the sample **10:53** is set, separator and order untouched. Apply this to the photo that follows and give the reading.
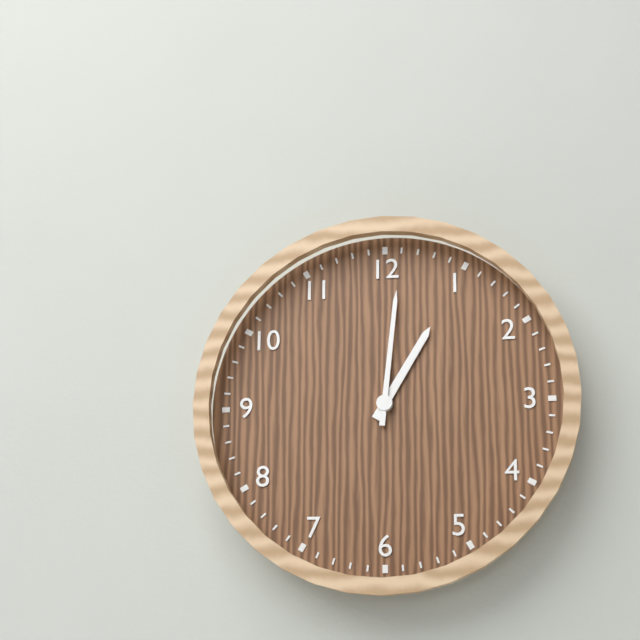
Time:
**1:01**
